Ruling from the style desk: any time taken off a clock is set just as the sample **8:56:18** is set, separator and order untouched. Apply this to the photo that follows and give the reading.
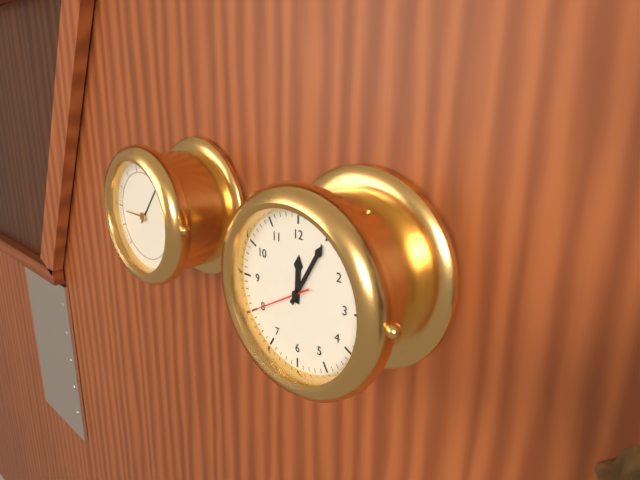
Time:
**12:05:40**
